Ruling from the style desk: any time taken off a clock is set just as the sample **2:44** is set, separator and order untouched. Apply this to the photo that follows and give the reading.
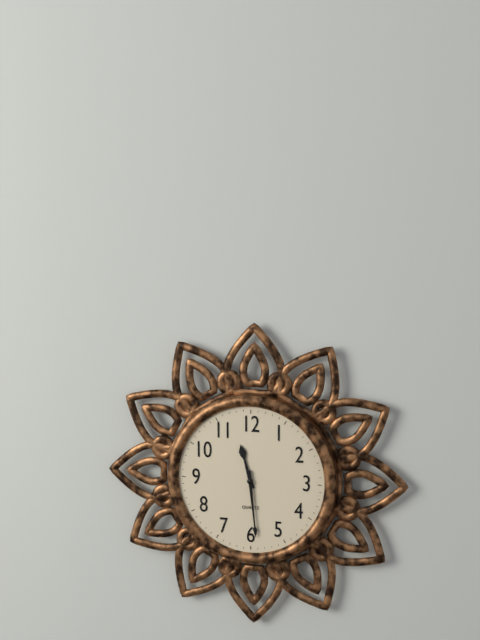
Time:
**11:29**
